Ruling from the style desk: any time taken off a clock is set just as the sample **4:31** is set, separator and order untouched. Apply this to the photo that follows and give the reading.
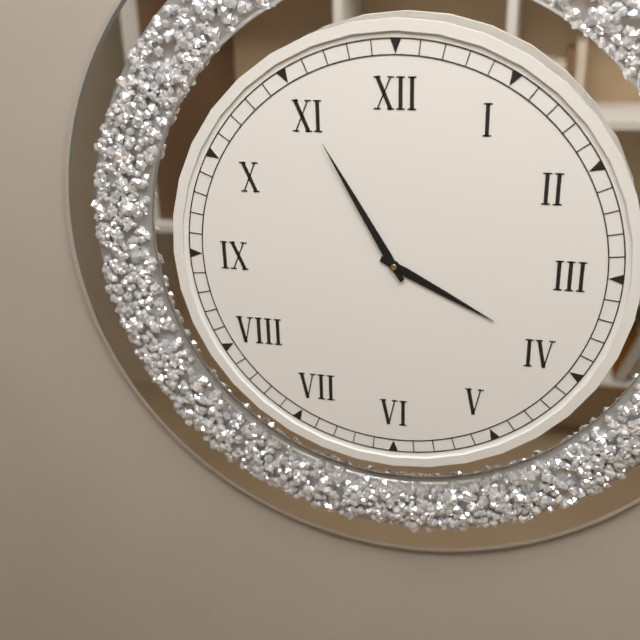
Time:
**3:55**
